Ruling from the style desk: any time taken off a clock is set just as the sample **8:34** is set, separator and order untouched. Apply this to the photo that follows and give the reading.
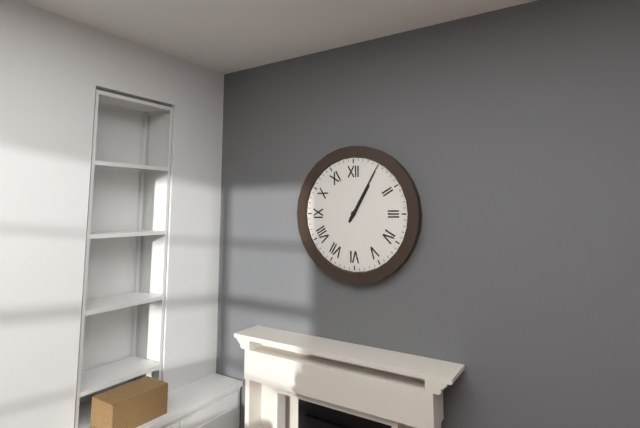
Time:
**1:05**
